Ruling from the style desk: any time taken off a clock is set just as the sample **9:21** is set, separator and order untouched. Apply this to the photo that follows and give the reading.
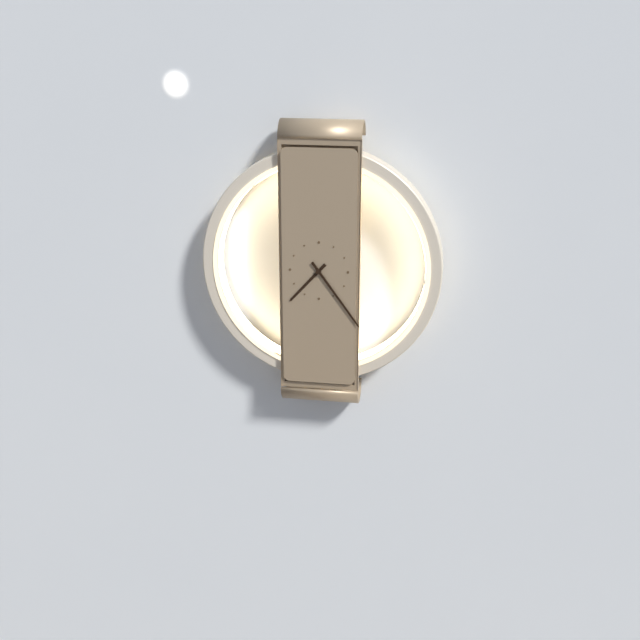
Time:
**7:24**
